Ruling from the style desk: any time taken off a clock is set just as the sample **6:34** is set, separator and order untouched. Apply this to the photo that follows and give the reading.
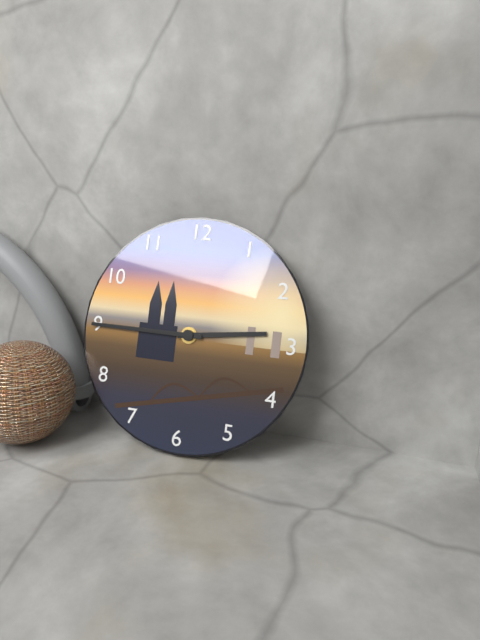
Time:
**2:45**
